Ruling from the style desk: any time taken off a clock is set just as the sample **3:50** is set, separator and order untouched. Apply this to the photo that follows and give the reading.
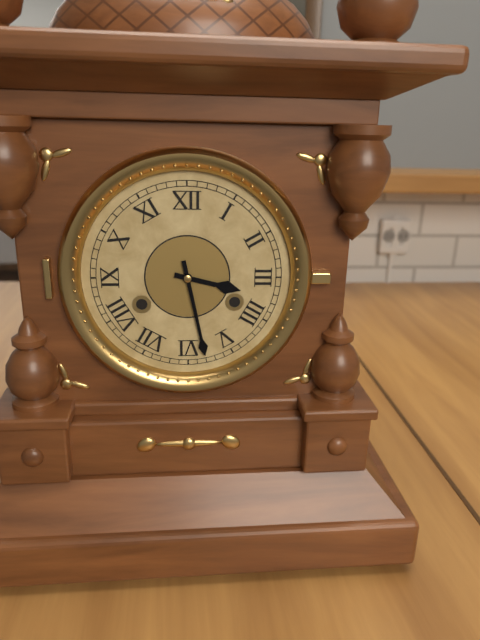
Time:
**3:28**
